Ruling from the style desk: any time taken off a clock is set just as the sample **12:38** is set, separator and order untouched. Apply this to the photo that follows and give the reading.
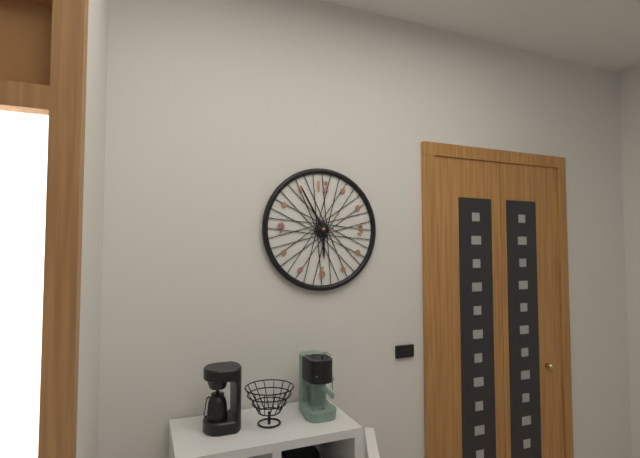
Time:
**5:55**
